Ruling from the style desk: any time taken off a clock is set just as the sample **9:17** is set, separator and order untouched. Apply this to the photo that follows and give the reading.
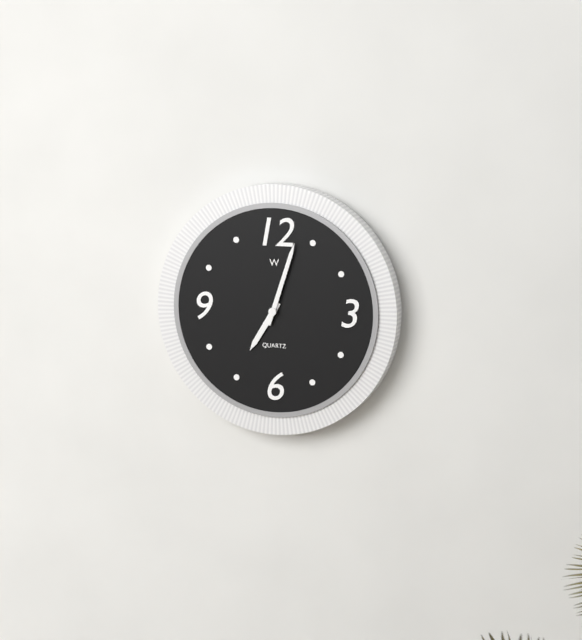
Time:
**7:03**
